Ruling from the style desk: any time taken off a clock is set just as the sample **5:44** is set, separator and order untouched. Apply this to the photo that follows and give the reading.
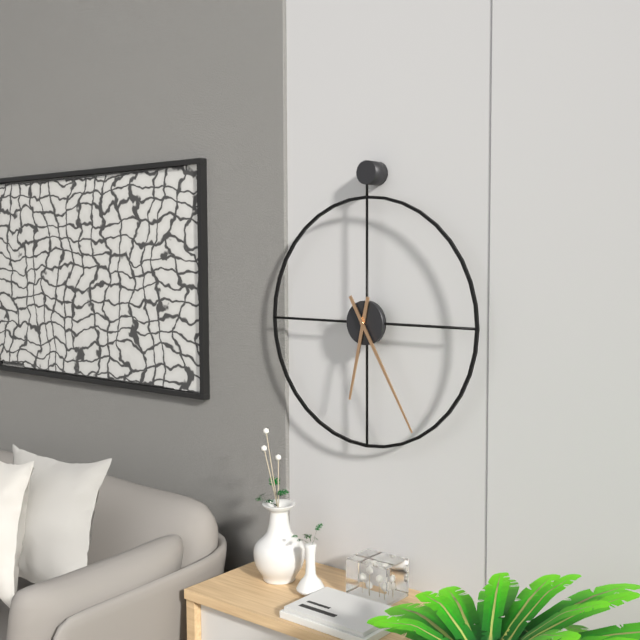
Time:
**6:25**
